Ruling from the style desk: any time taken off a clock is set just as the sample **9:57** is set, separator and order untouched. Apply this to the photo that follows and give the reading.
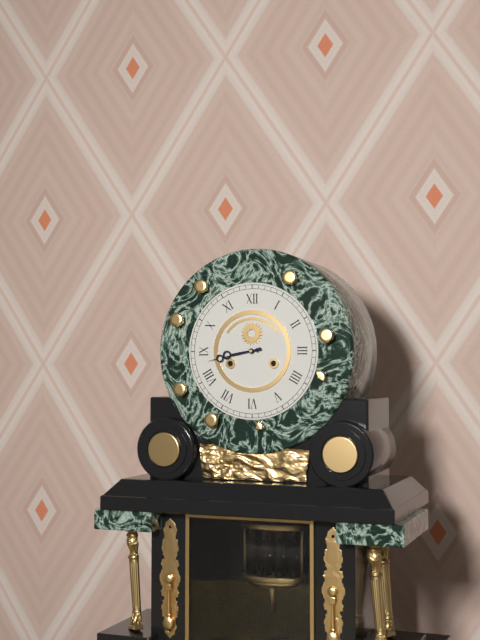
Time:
**8:43**
